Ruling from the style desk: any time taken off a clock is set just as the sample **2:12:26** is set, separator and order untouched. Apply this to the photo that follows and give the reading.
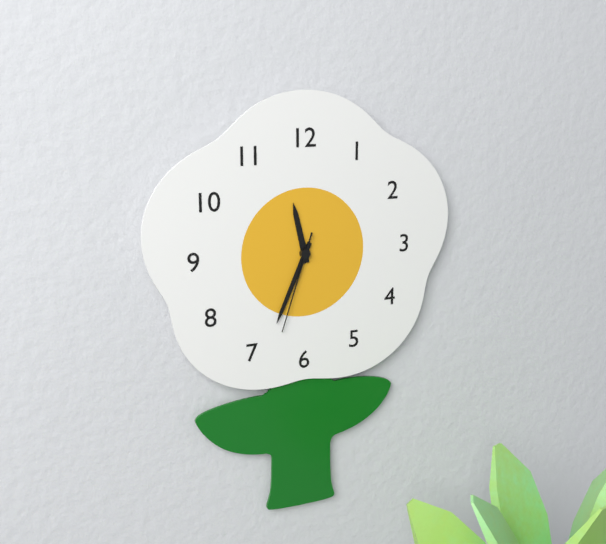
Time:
**11:34:33**
